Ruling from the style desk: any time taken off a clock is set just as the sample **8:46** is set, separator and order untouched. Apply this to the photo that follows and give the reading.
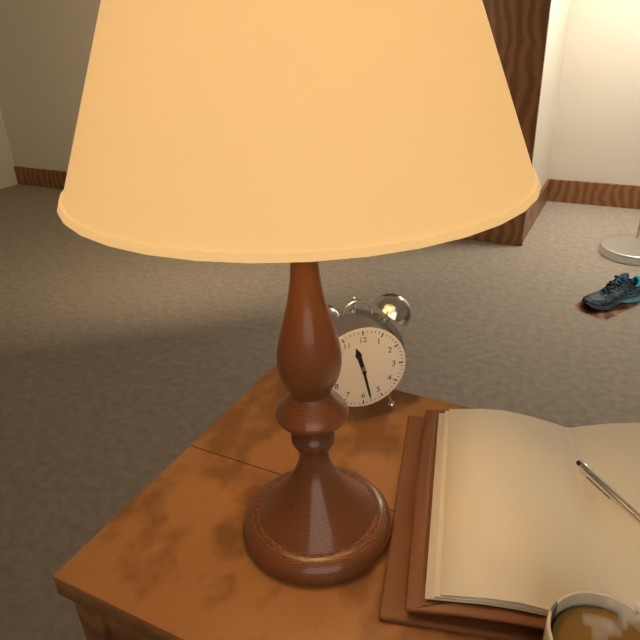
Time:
**11:28**
